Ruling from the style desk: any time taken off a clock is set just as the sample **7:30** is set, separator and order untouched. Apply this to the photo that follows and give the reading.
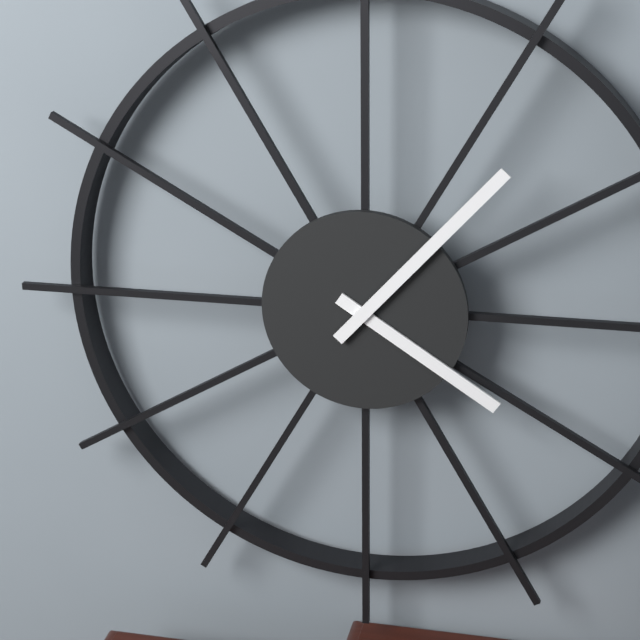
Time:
**4:07**
